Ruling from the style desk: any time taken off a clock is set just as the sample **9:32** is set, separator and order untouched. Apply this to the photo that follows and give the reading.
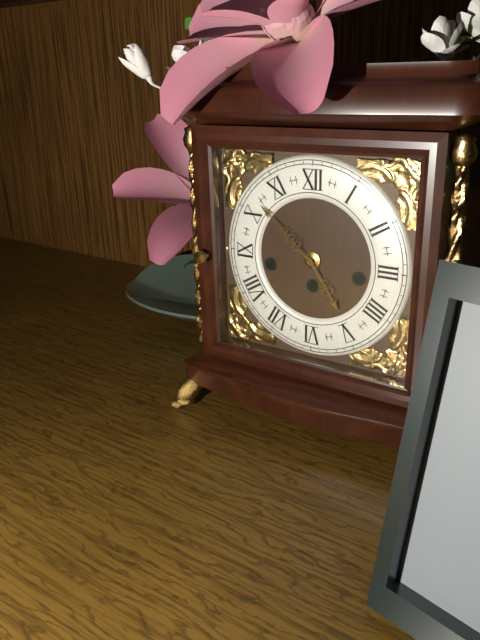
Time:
**4:52**
